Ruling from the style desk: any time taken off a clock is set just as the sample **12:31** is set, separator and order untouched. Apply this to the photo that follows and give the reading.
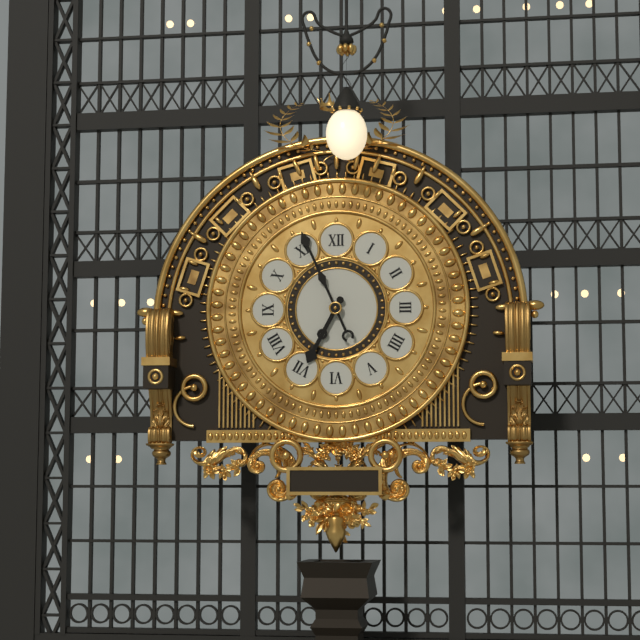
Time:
**6:56**
